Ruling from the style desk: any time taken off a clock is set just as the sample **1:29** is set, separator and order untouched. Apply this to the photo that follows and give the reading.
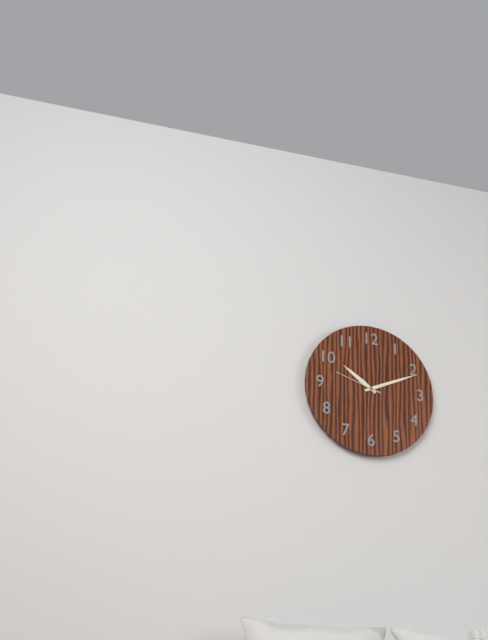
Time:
**10:11**
